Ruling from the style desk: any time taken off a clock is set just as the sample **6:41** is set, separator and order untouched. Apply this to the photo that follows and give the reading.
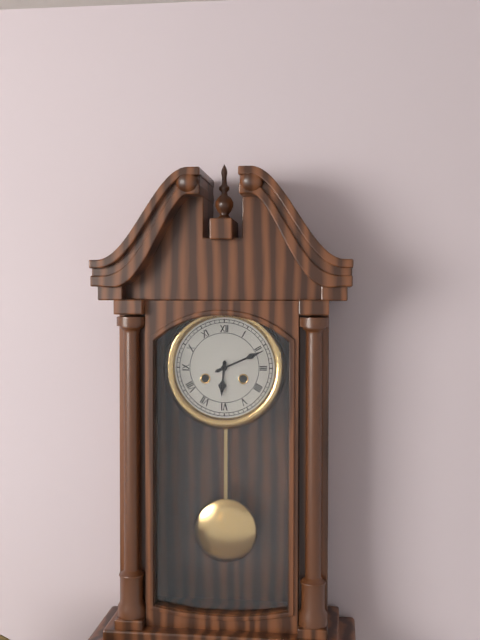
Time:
**6:11**
